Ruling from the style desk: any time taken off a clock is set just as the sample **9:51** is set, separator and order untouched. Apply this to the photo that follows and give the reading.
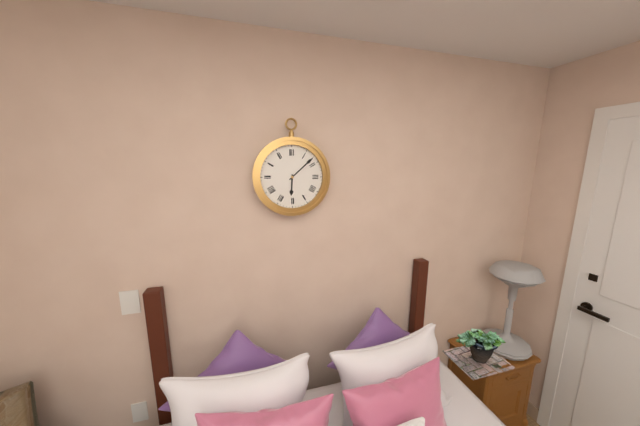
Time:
**6:08**
